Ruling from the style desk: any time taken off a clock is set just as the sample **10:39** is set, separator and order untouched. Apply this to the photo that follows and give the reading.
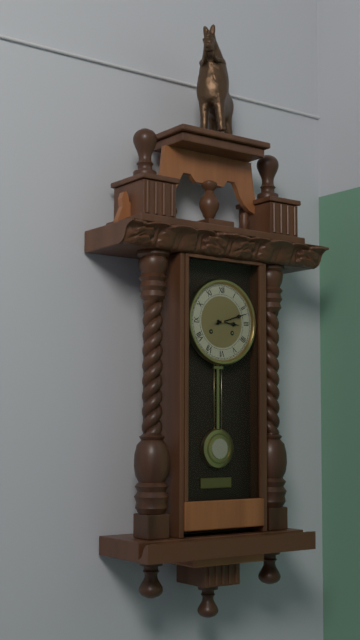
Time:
**3:12**
